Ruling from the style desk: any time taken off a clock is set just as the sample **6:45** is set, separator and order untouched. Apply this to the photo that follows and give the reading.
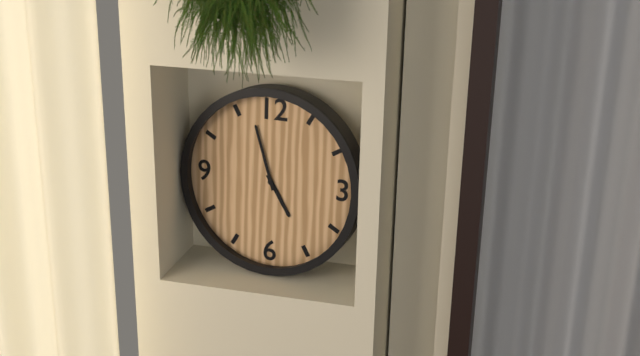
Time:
**4:57**
